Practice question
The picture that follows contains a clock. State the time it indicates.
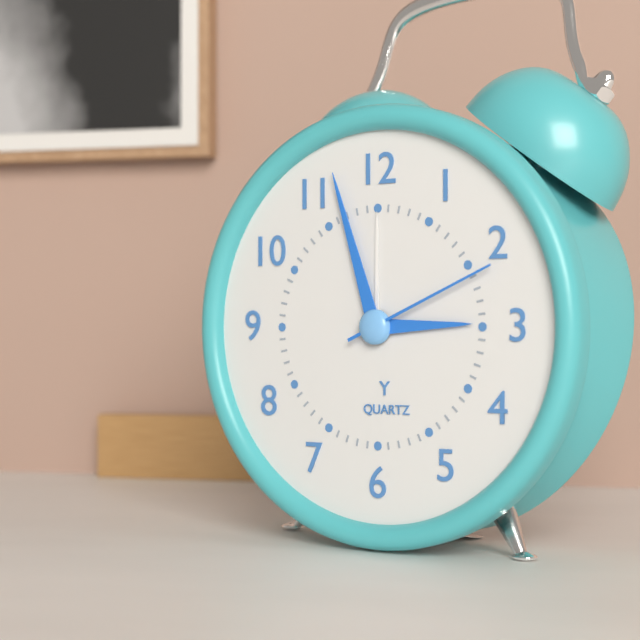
2:57:11
